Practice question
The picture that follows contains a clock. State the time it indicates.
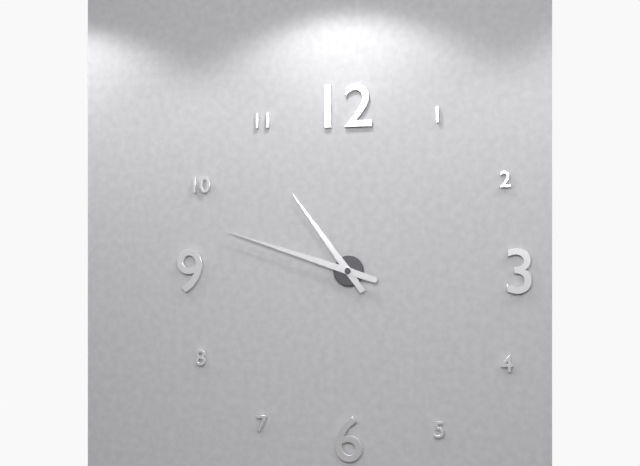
10:48
